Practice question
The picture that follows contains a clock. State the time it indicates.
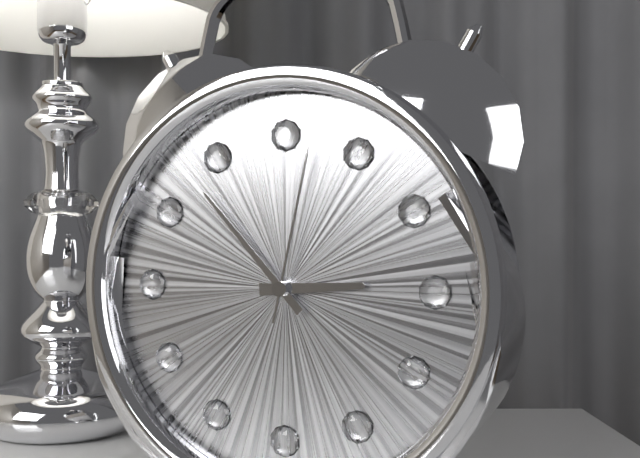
2:53:02
